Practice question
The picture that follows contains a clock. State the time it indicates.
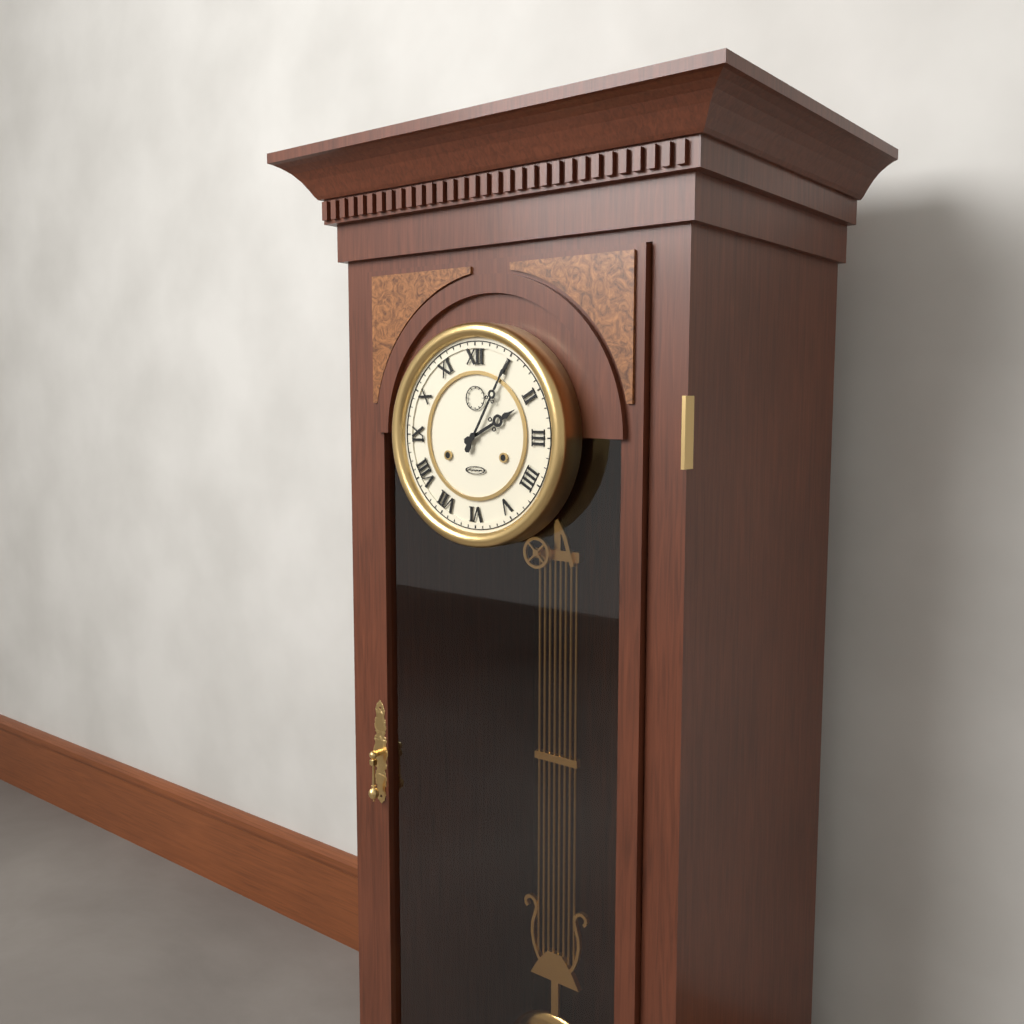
2:05
